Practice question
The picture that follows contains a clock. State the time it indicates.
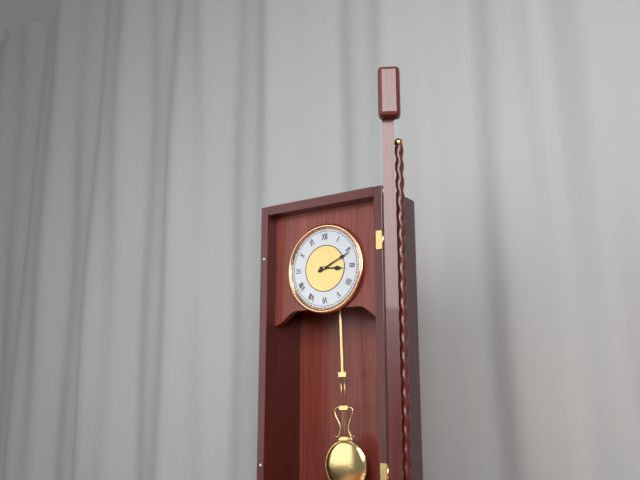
3:11
